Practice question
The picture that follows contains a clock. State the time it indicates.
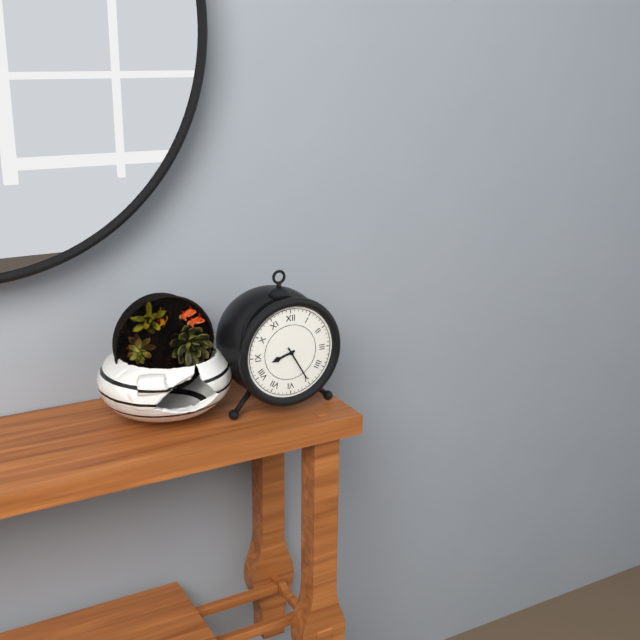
8:25
